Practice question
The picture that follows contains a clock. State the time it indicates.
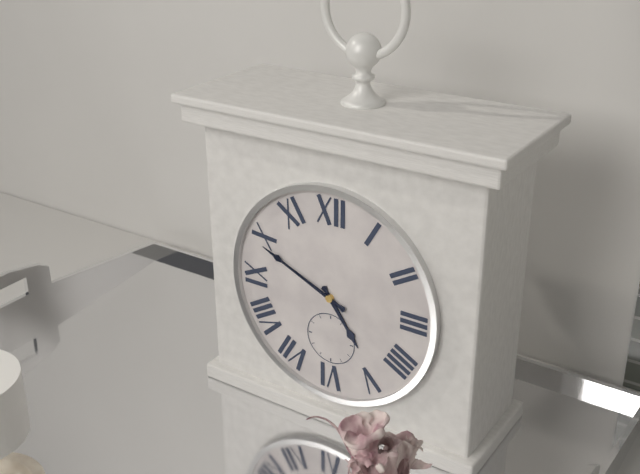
4:49
